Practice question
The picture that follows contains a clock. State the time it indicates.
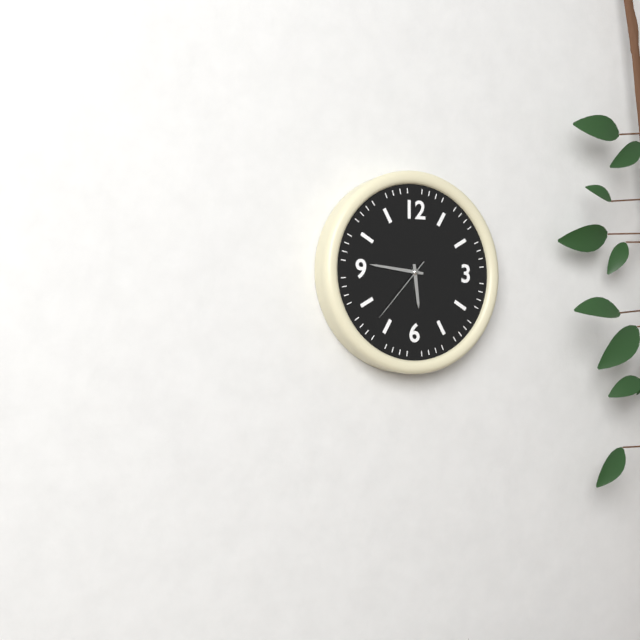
5:46:37
